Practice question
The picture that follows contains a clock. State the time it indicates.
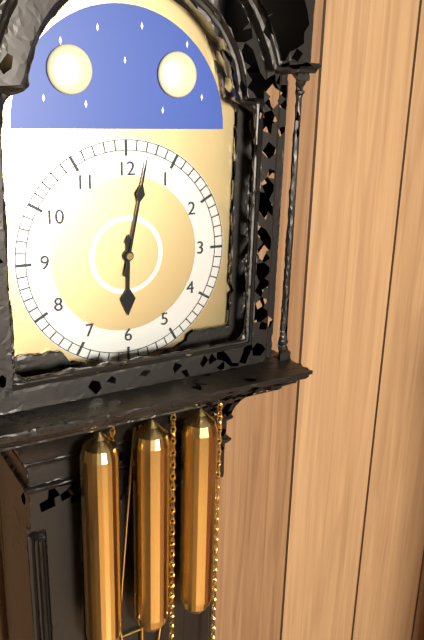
6:02
